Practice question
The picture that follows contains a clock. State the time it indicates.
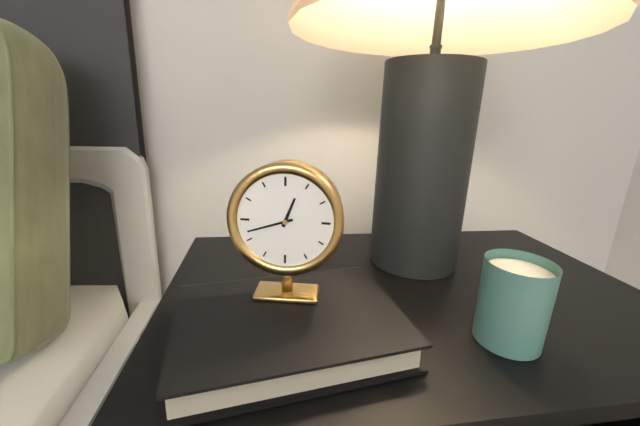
12:42
